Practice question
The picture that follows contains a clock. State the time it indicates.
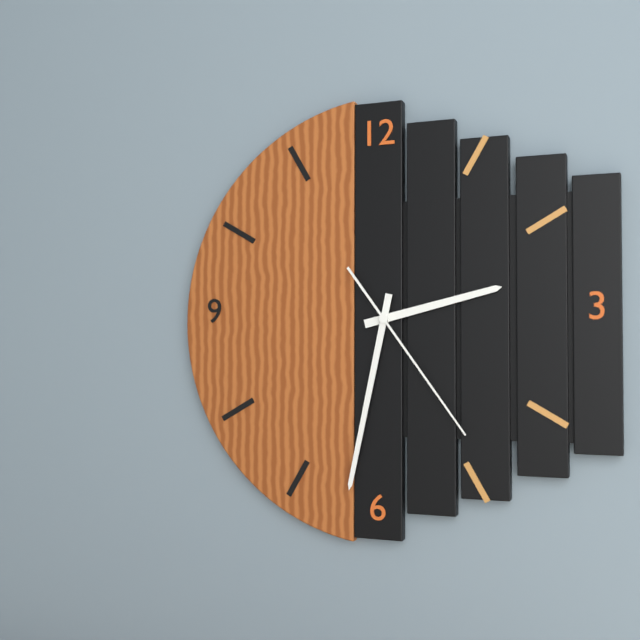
2:32:24
